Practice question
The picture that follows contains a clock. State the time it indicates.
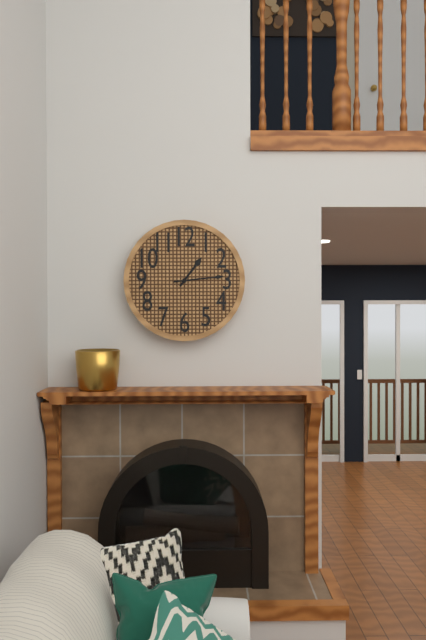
1:14
